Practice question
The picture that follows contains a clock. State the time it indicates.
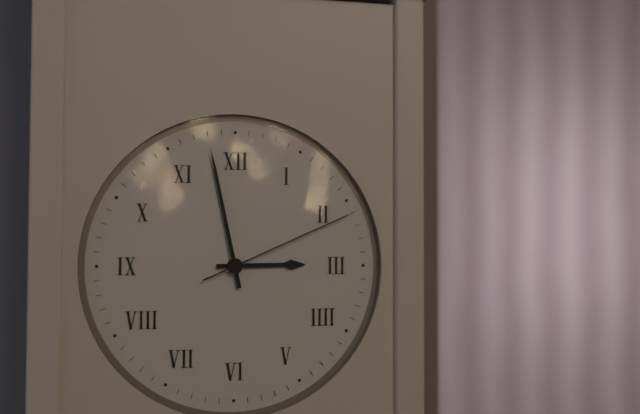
2:58:11
